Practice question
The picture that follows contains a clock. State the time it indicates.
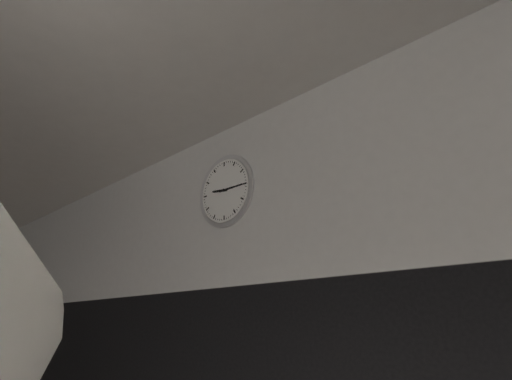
9:15
